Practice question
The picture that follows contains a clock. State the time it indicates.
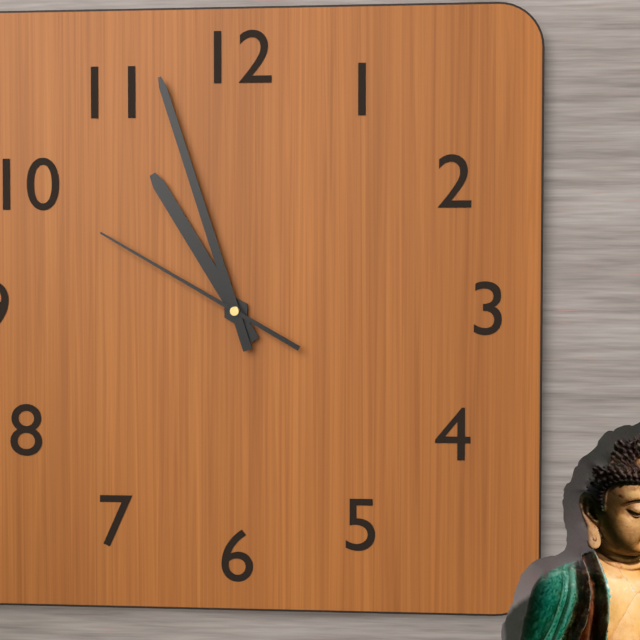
10:57:50
